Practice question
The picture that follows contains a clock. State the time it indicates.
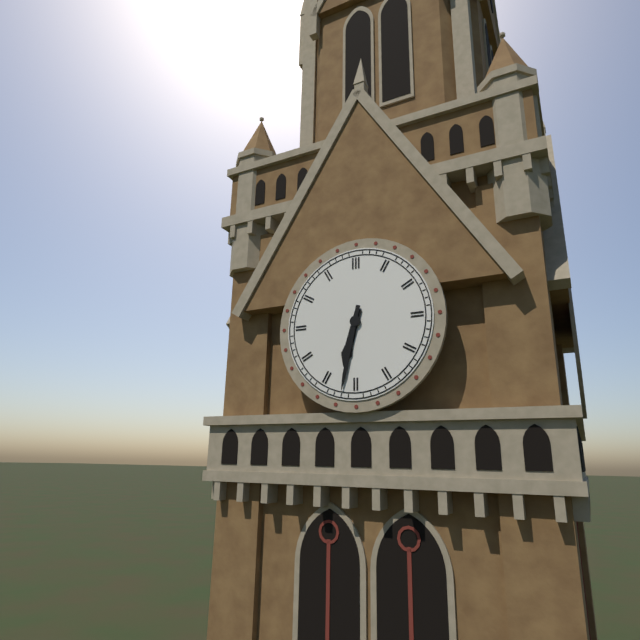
6:32
